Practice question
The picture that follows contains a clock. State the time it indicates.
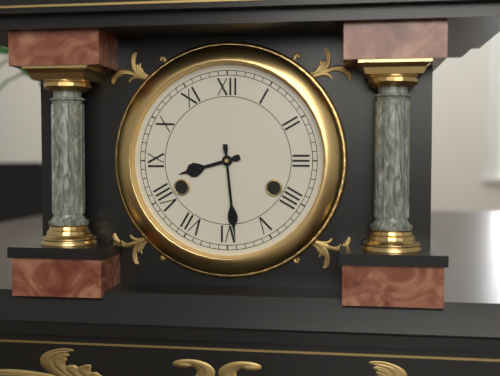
8:29
